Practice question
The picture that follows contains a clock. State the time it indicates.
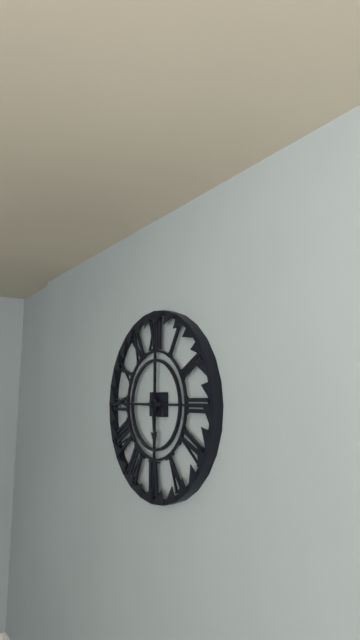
5:45
